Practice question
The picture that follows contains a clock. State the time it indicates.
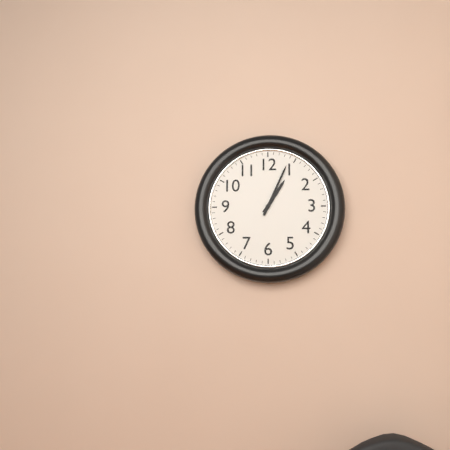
1:04
